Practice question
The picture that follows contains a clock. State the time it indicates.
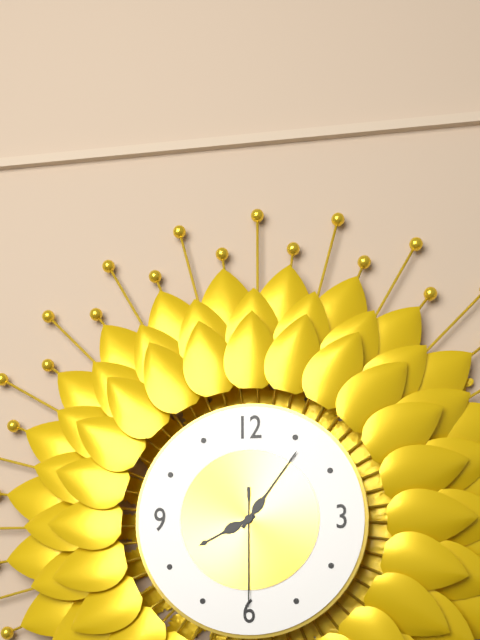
8:06:30
